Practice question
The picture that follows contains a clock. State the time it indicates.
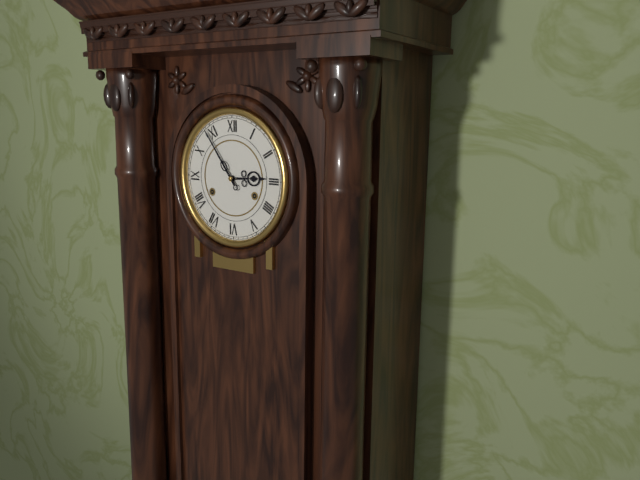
2:54
